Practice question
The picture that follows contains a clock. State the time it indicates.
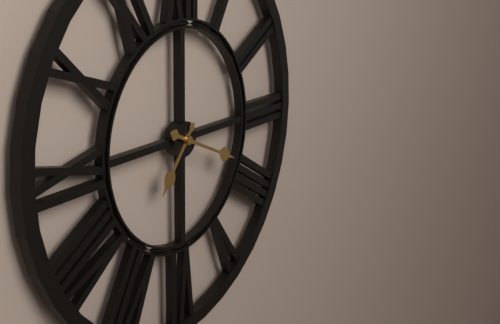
7:19
